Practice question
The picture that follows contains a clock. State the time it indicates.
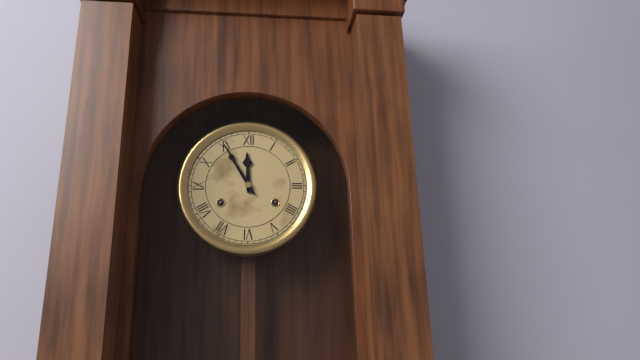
11:55
